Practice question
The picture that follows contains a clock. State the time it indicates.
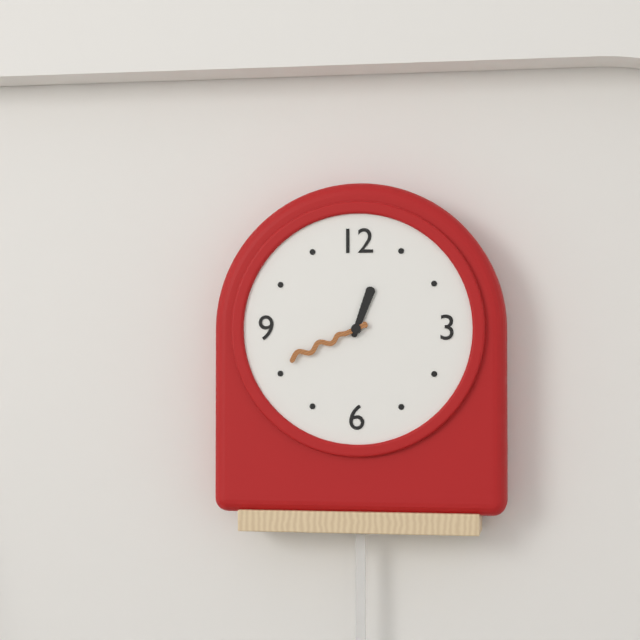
12:41
